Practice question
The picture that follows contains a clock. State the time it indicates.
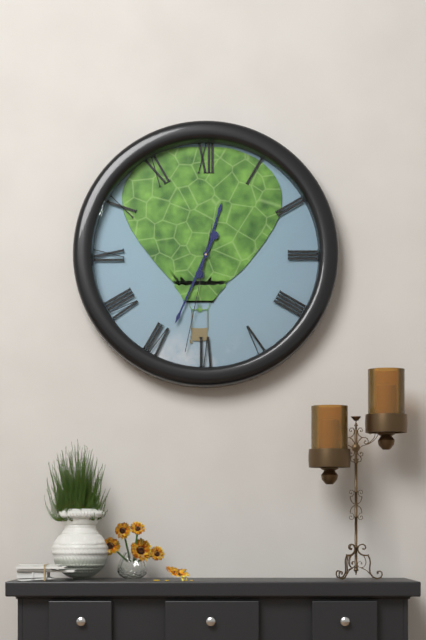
12:34:32
